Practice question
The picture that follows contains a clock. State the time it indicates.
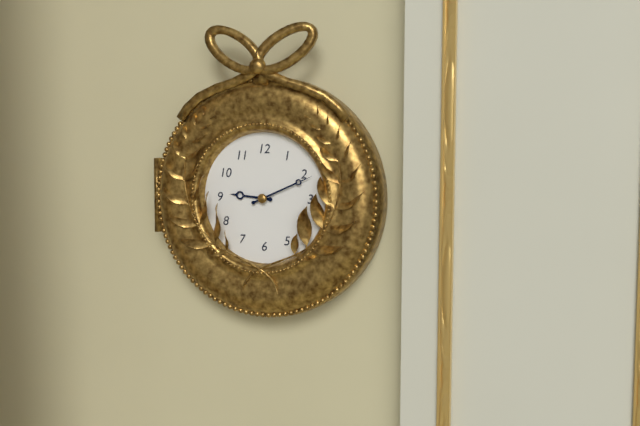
9:11
